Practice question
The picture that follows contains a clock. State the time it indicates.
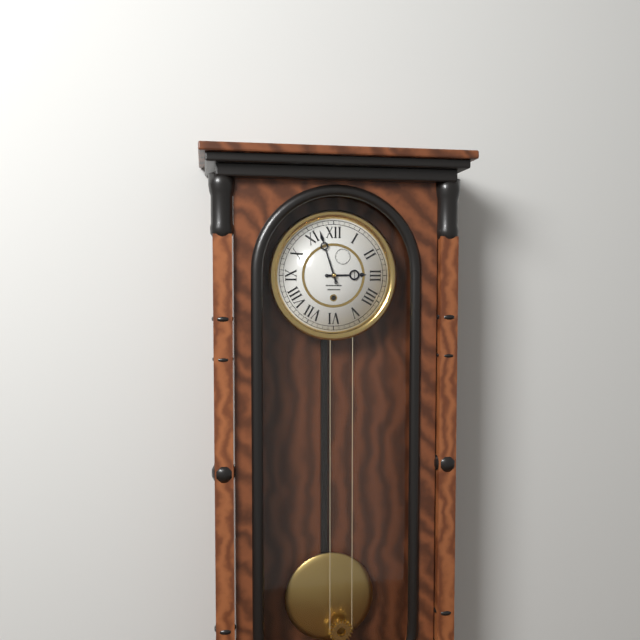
2:57
